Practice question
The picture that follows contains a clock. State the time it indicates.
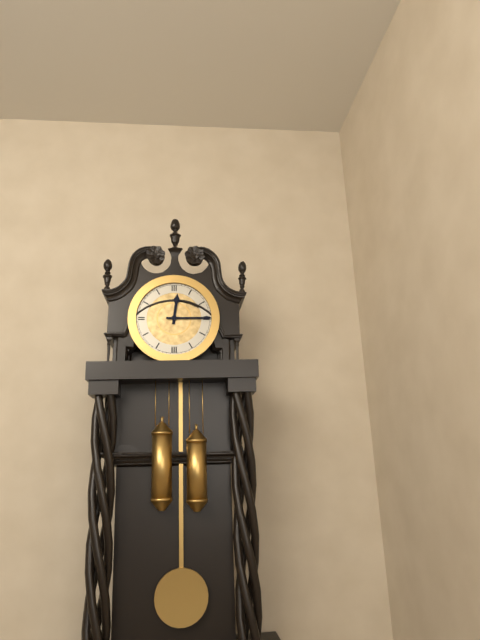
12:15
